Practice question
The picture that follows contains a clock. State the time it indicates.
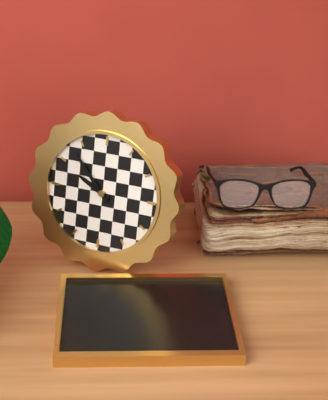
9:53
